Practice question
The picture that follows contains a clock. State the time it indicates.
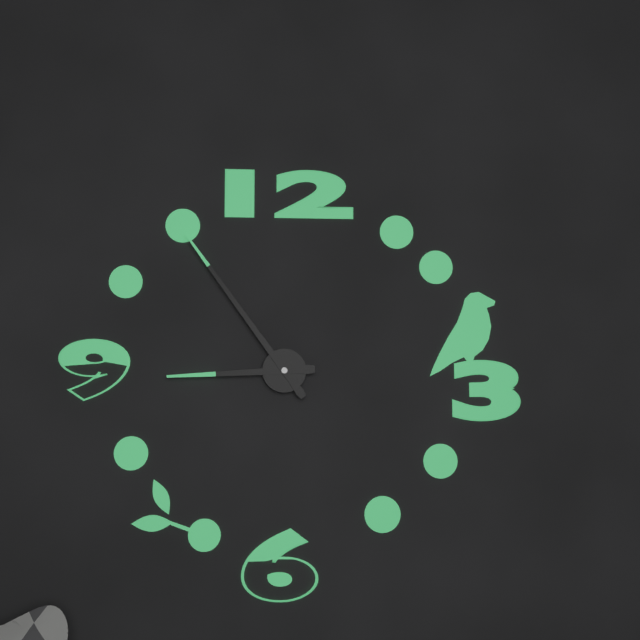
8:54
